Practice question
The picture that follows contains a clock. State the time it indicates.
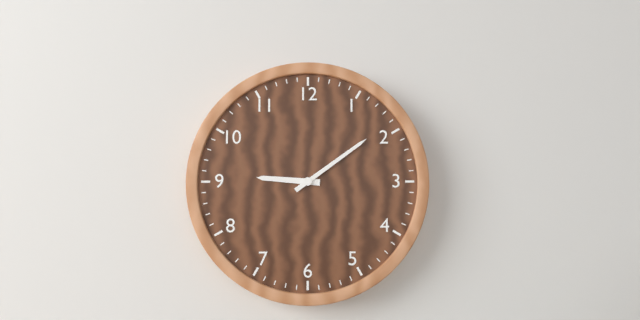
9:09
